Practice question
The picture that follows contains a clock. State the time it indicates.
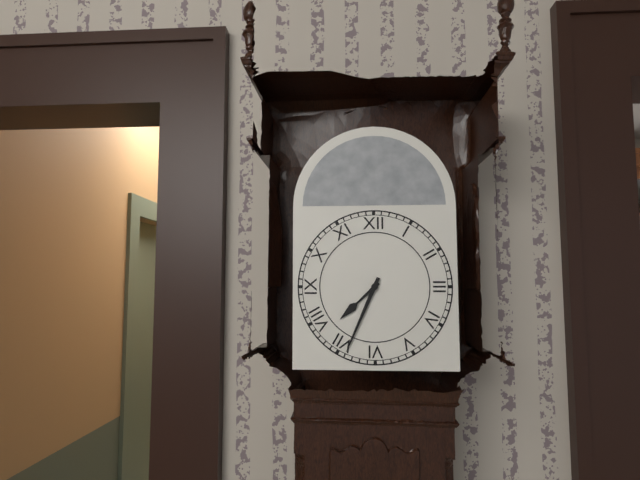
7:34
